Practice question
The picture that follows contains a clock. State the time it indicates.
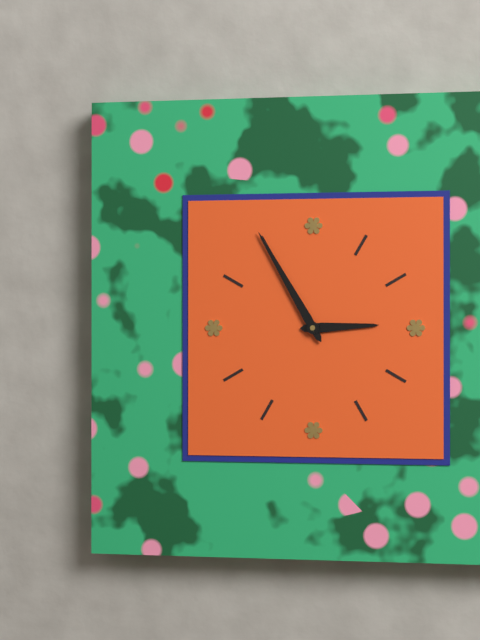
2:55
